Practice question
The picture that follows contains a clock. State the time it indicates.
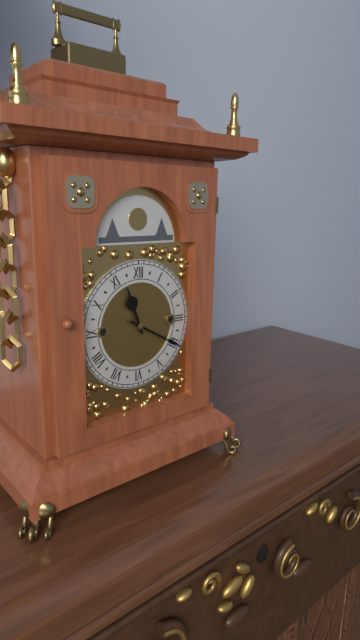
11:20
